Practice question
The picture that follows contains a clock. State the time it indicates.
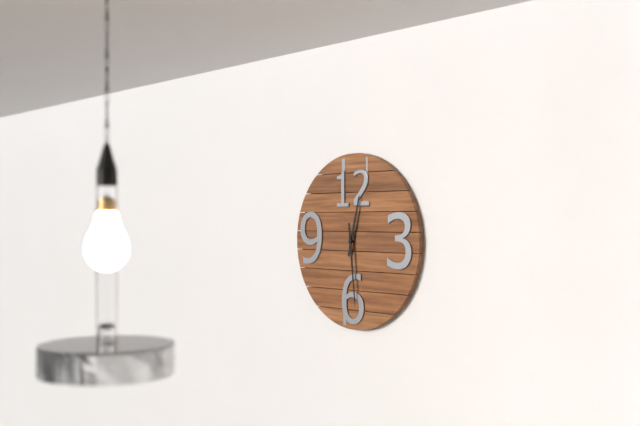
12:29
